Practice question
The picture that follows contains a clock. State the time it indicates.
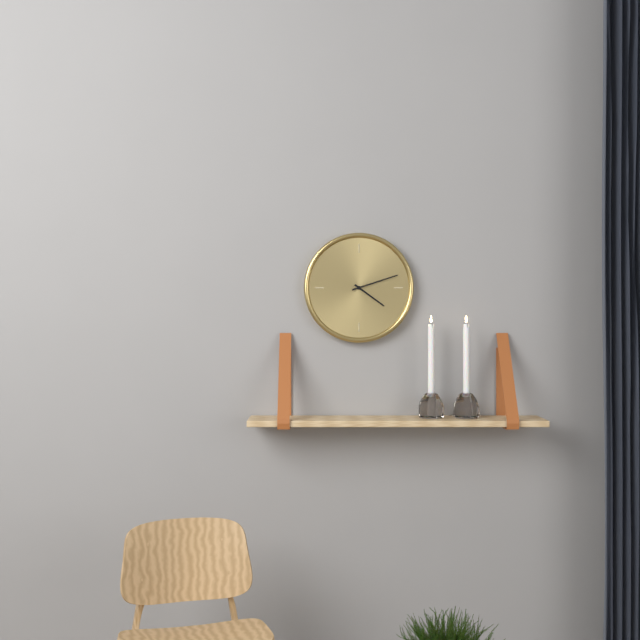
4:12
